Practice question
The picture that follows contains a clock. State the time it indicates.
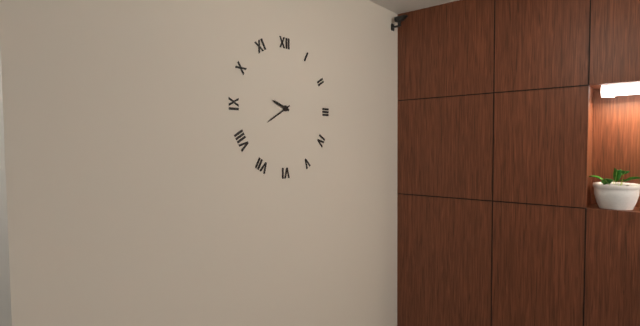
9:40
